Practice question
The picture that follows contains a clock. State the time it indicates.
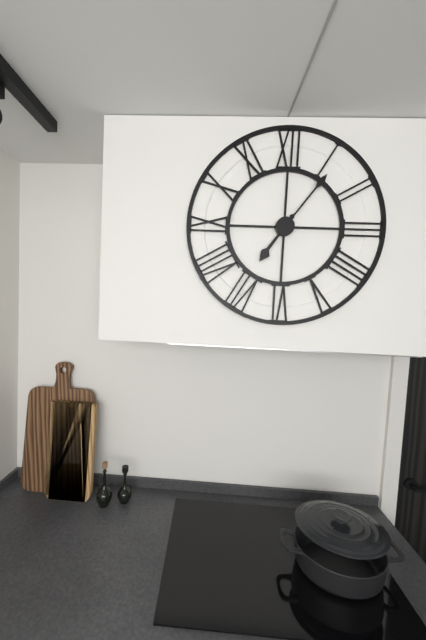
7:06
